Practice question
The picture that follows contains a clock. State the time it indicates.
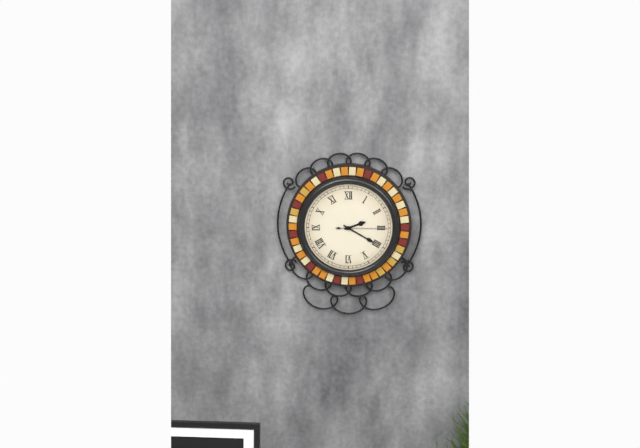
2:20
